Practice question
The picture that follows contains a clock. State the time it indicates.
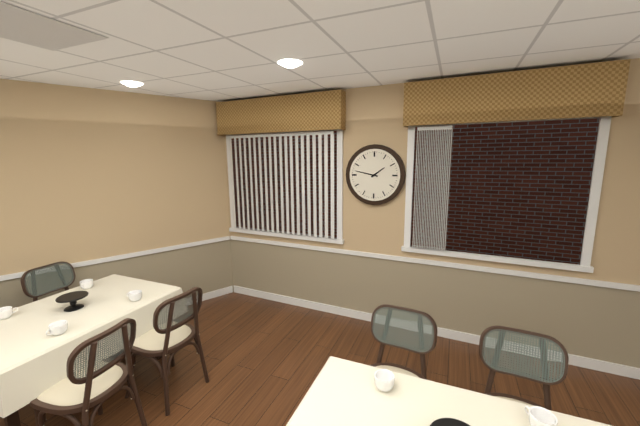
1:47
